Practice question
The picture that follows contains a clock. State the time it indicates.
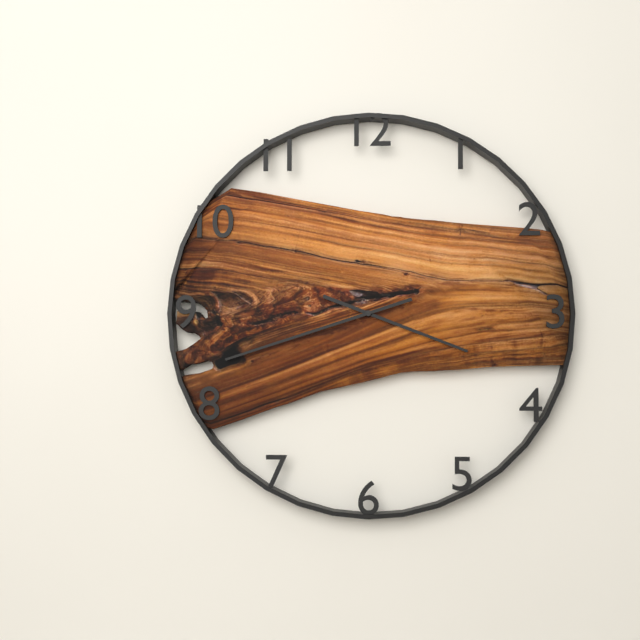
3:42
